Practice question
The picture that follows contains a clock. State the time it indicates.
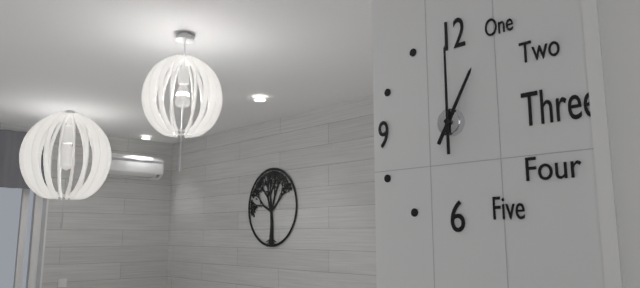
1:00
